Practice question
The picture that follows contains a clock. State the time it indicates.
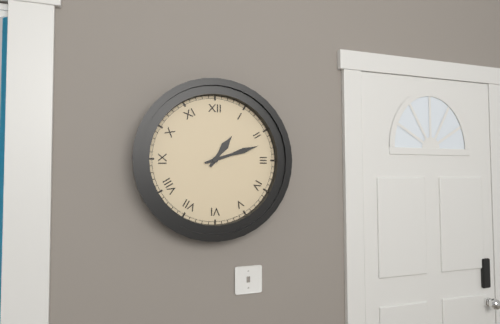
1:12
